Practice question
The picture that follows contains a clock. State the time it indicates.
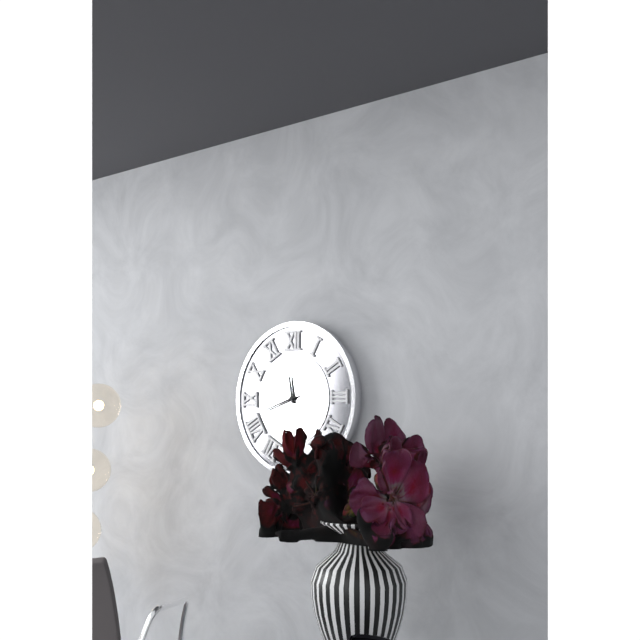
11:42
